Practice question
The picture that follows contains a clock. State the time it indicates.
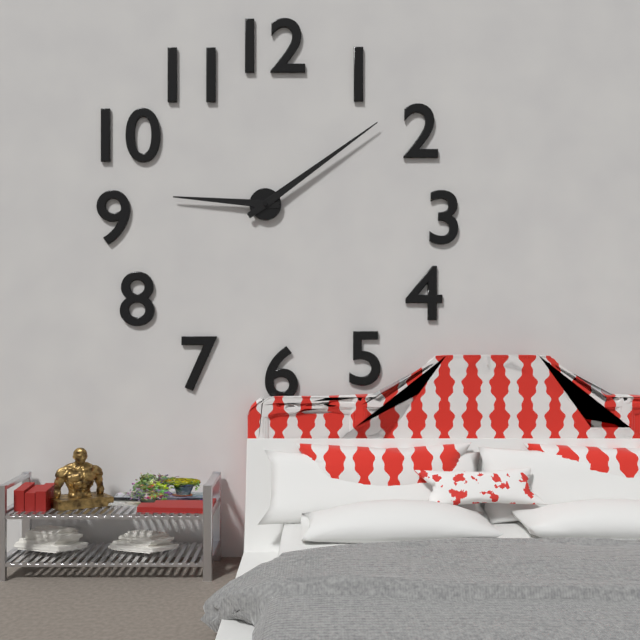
9:09
